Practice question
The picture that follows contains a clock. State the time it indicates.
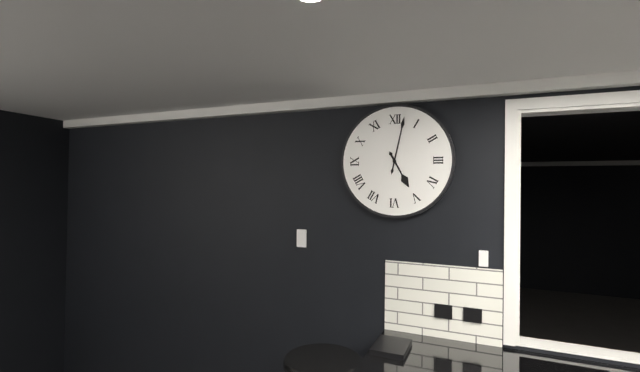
5:02
